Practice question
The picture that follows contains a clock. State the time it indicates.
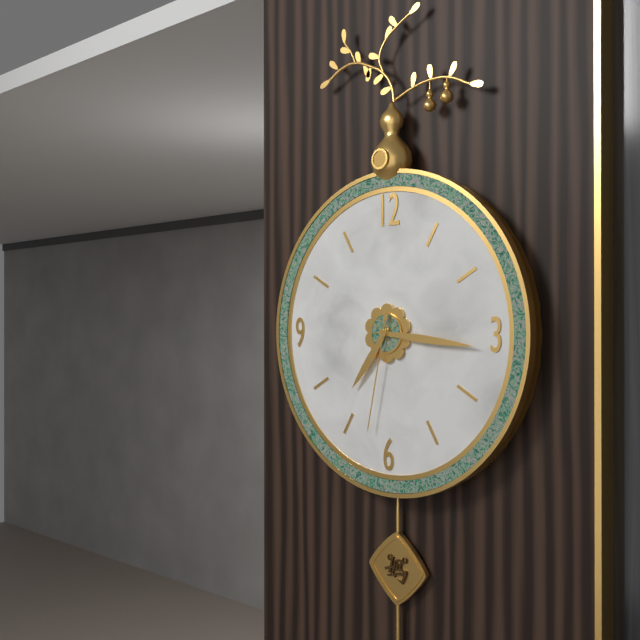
7:16:32
